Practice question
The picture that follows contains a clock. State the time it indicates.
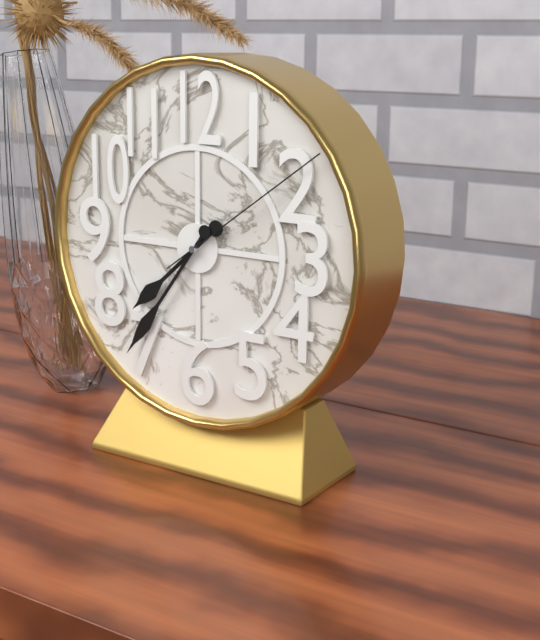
7:36:09
